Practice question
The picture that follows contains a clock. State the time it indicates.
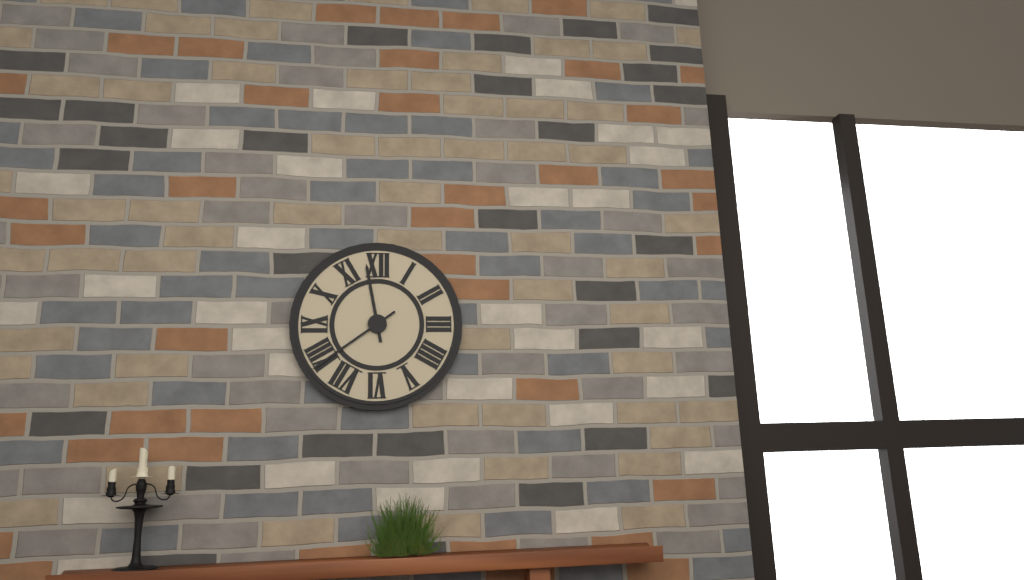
11:39
